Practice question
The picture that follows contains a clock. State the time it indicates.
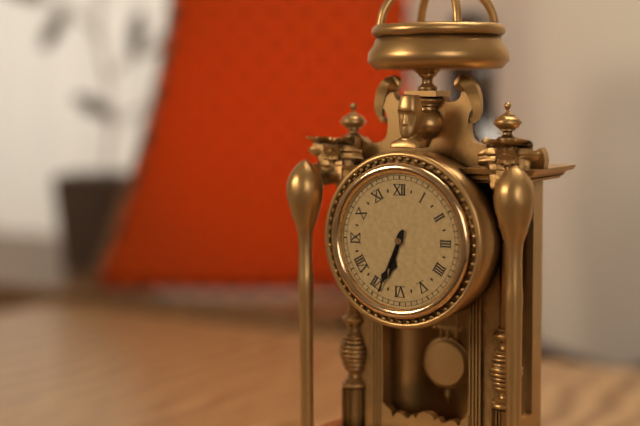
6:34
